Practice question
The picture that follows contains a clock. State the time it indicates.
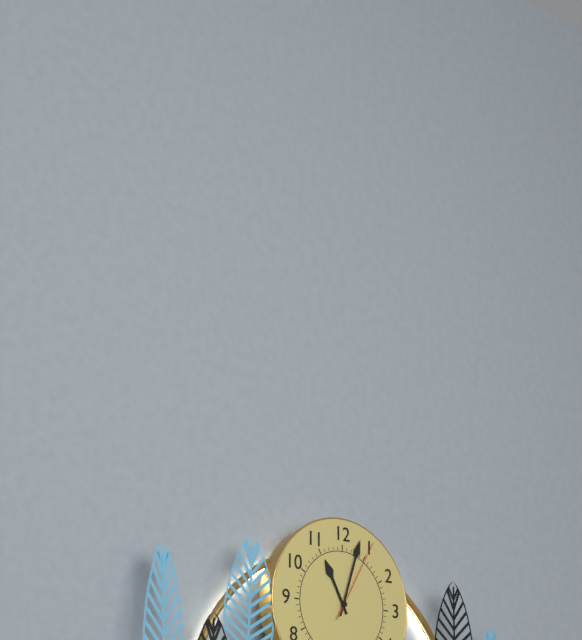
11:03:05
